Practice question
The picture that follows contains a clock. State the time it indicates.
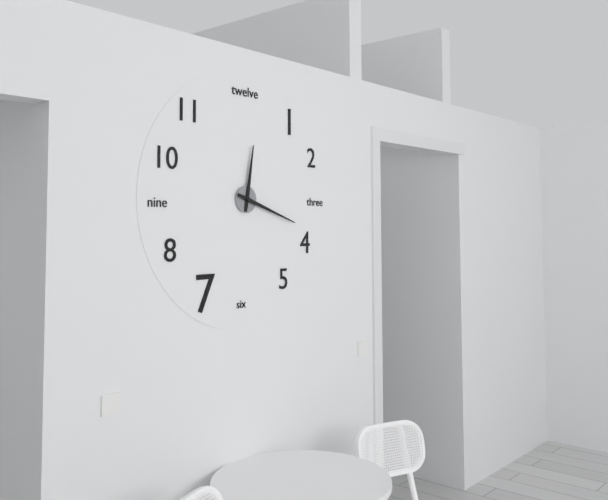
12:18
